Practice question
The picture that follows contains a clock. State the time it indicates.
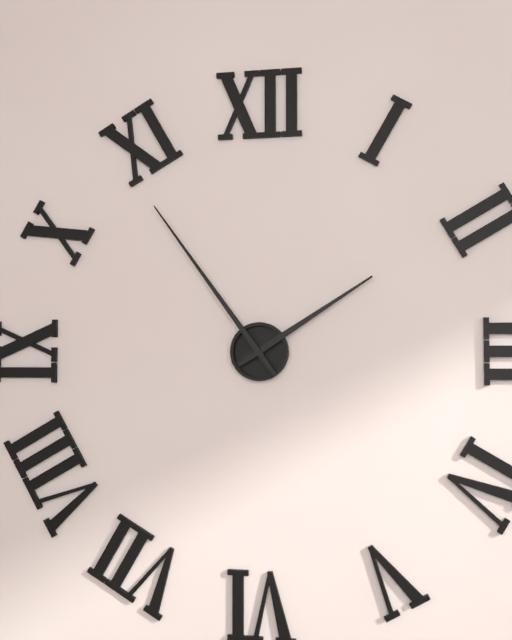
1:54
